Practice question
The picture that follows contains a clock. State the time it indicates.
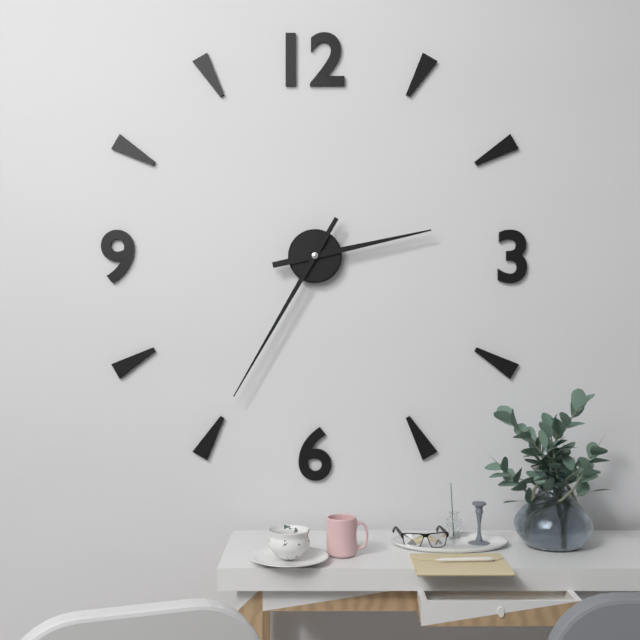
2:35
